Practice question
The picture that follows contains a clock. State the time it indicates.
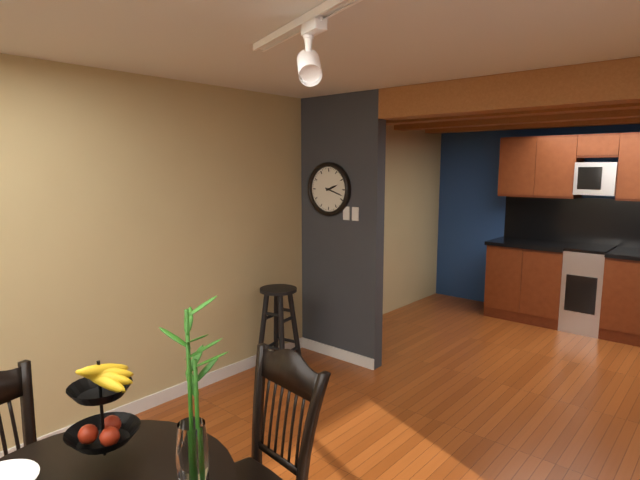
2:18
